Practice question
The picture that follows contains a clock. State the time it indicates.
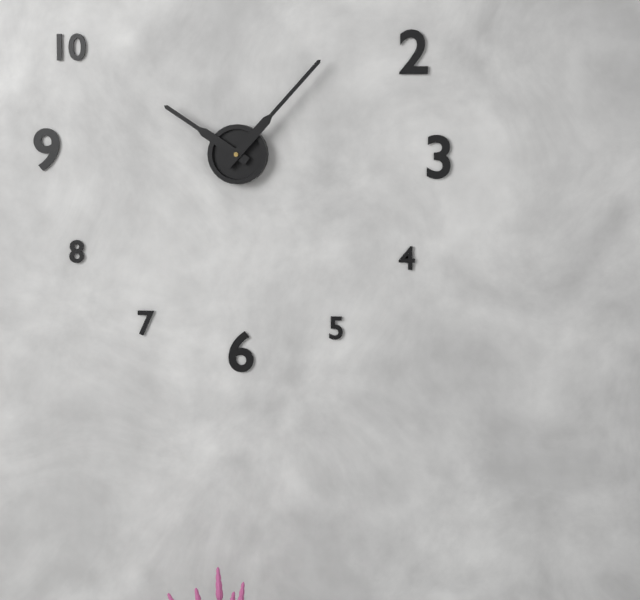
10:07
